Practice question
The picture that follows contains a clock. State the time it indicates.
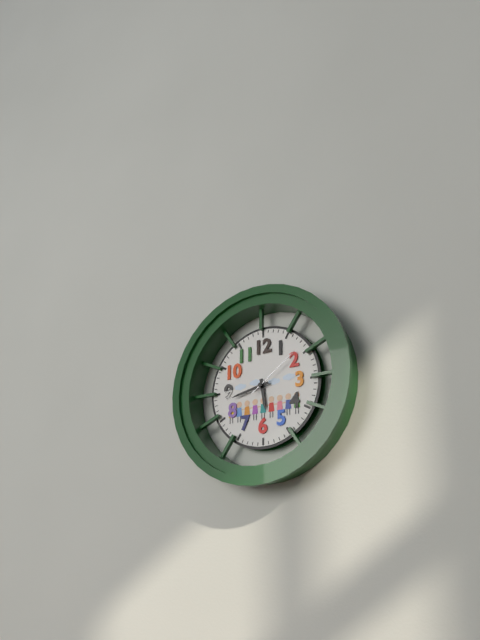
5:43:09
